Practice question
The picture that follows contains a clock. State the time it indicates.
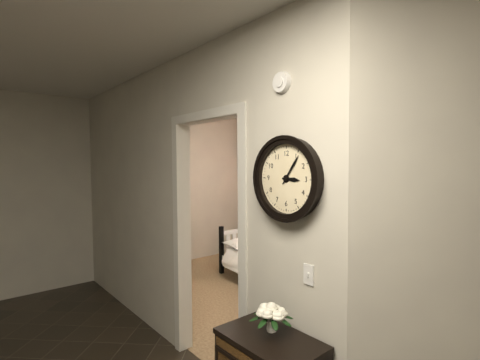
3:06
